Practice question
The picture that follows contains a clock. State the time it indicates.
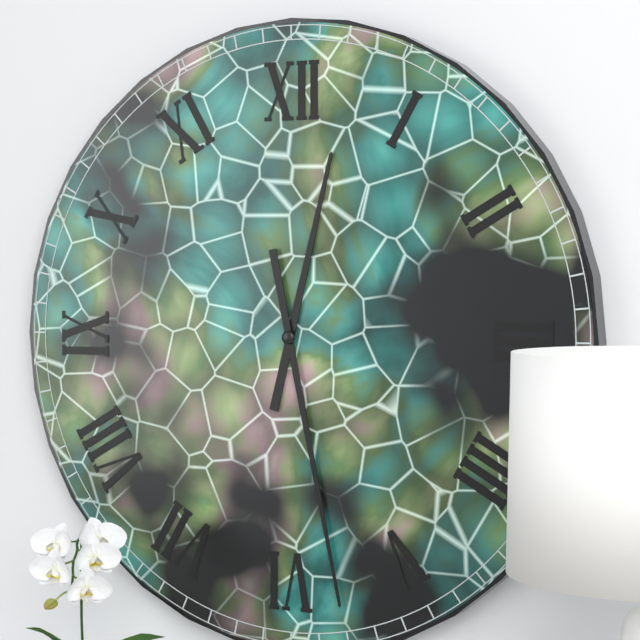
12:28
